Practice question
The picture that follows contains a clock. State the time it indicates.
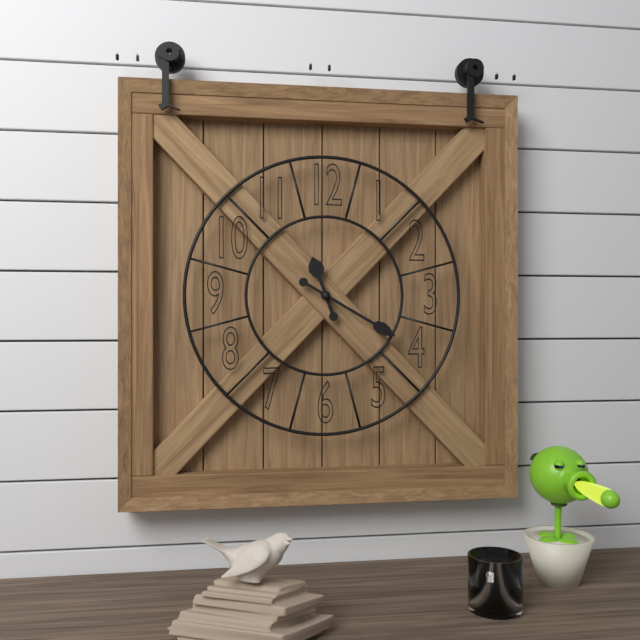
11:20
